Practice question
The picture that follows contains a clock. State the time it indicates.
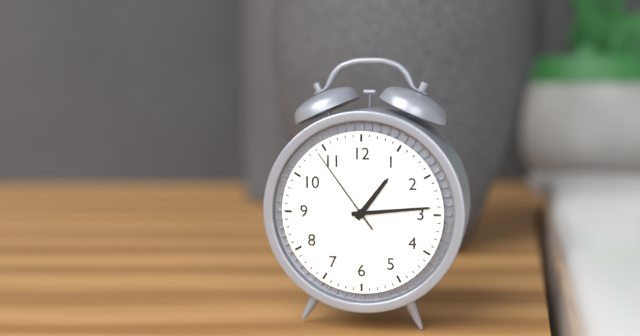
1:14:54
